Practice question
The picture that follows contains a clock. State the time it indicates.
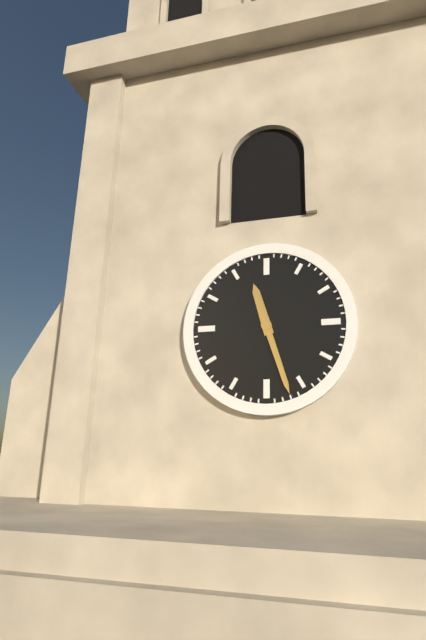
11:27
